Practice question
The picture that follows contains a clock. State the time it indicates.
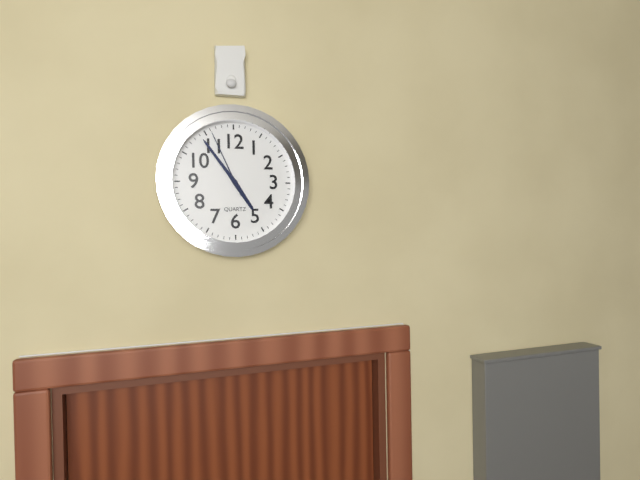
4:54:56
